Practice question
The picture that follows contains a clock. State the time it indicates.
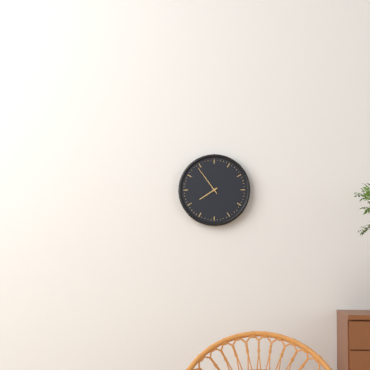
7:54
